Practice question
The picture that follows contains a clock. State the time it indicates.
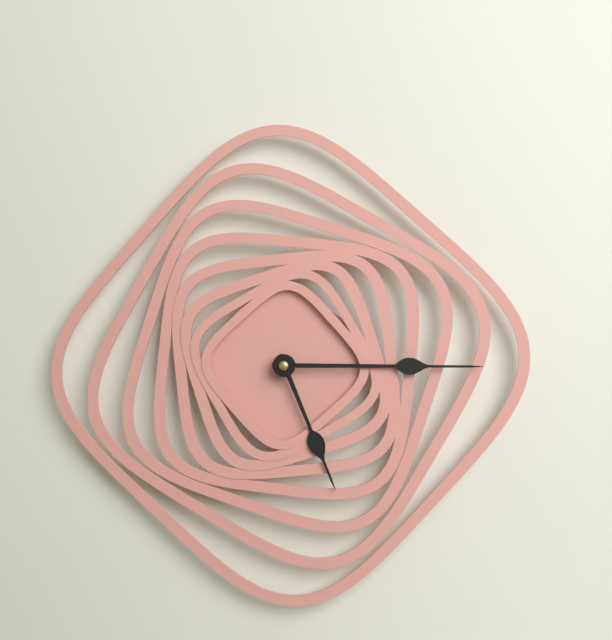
5:15
